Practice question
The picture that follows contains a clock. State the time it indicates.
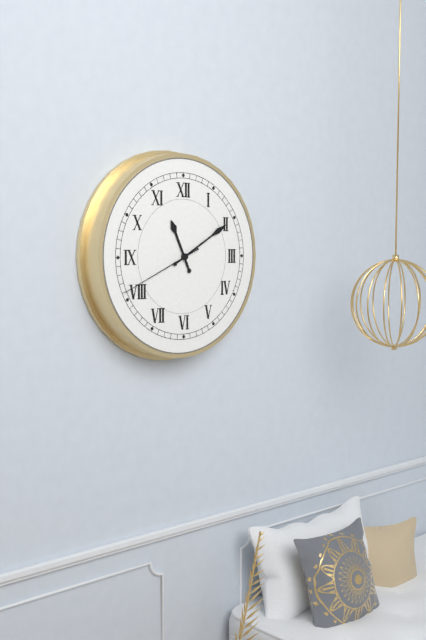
11:10:41
